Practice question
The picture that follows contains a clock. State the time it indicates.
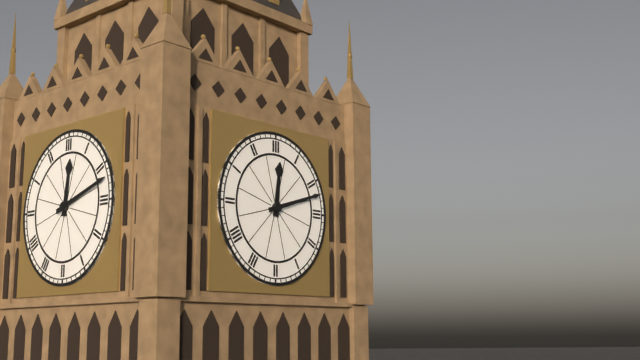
12:12
